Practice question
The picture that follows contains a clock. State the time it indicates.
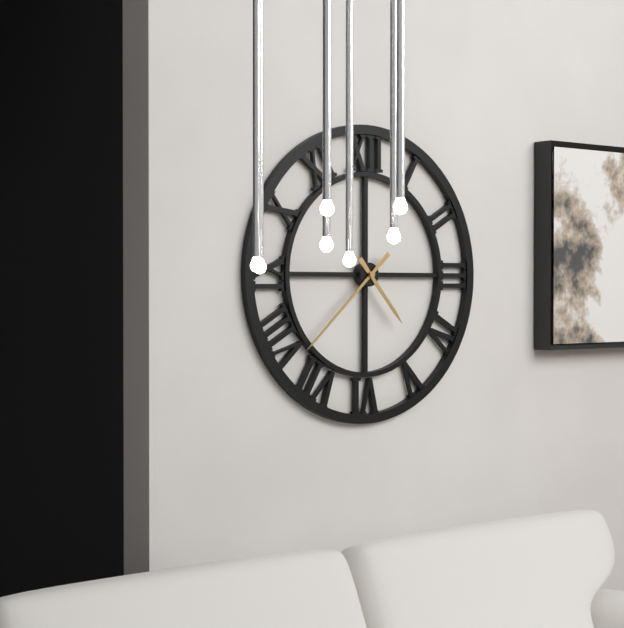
4:38
